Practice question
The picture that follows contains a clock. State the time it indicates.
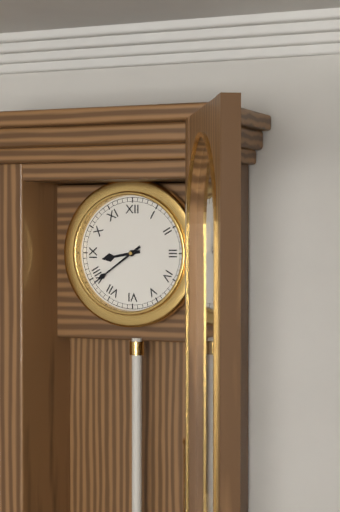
8:39
